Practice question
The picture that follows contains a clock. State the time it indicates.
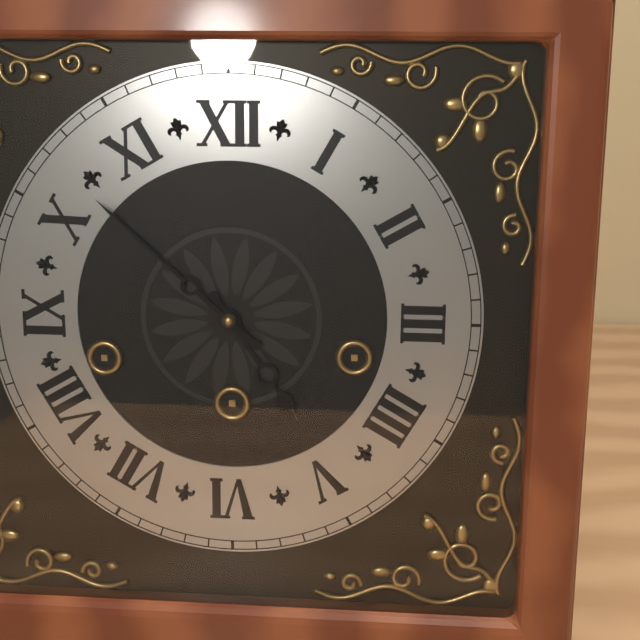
4:52
